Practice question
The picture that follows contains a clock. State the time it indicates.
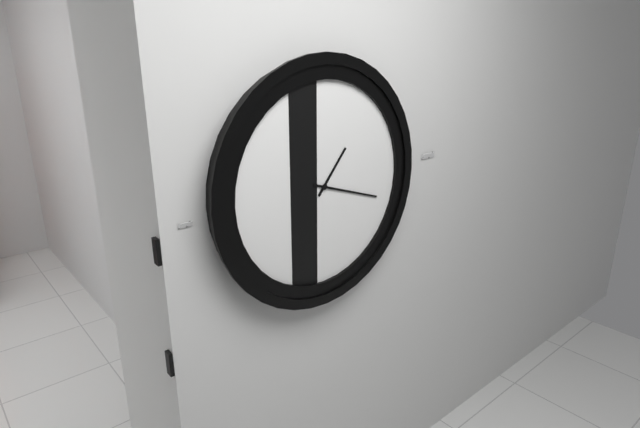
1:18
